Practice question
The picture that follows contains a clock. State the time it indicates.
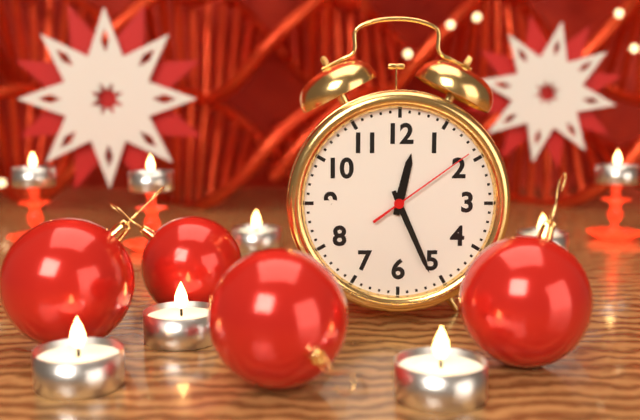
12:26:09
